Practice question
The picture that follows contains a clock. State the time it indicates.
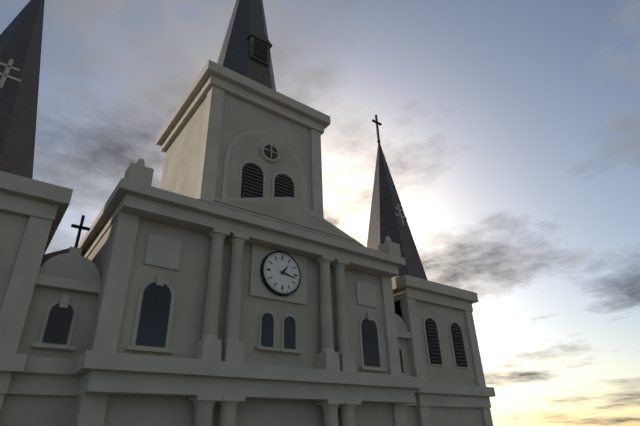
1:17
